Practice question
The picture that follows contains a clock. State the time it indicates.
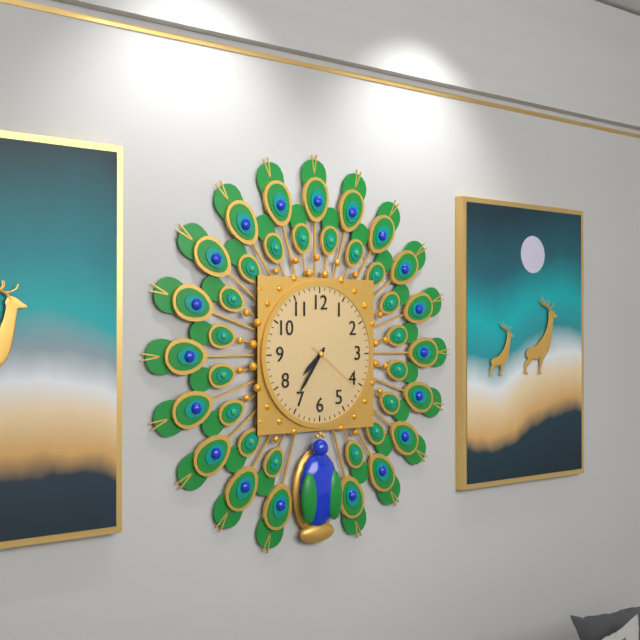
7:36:21
